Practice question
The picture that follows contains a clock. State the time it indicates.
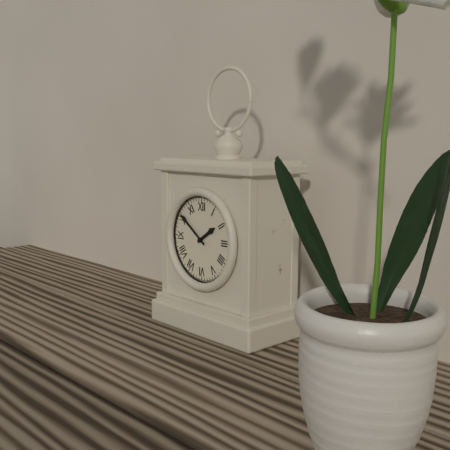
1:51
